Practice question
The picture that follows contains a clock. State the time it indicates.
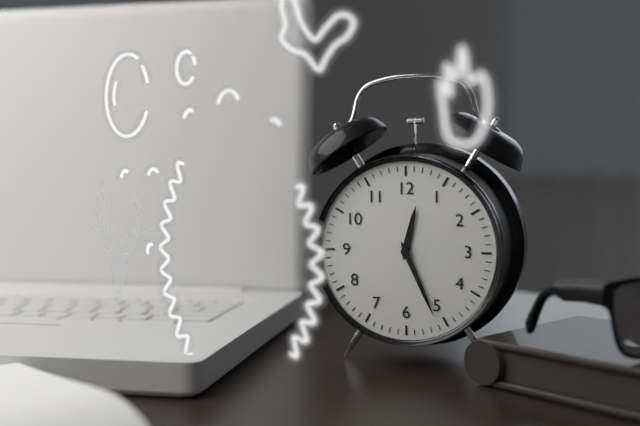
12:26
